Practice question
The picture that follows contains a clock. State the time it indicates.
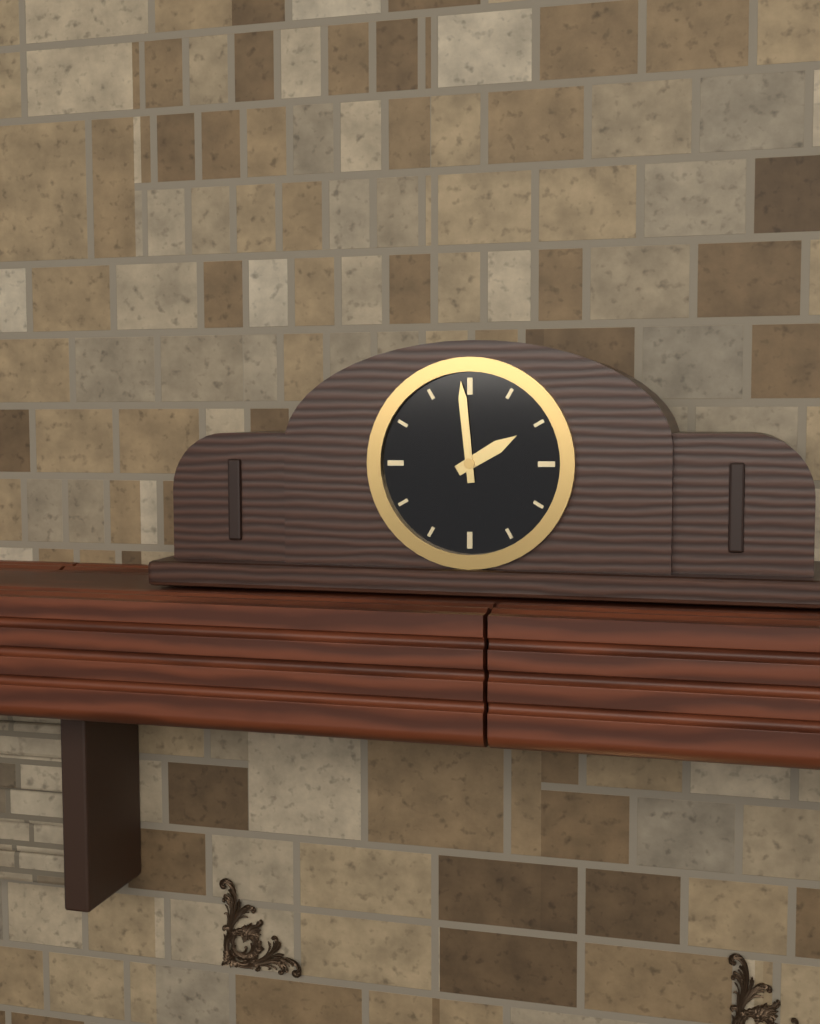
1:59
